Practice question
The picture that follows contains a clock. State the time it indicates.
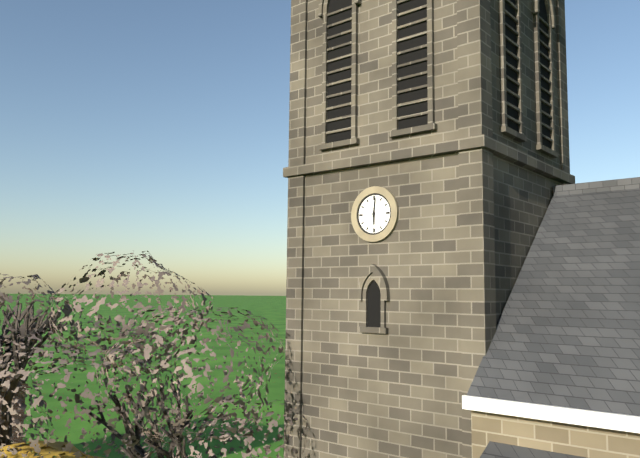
6:01
